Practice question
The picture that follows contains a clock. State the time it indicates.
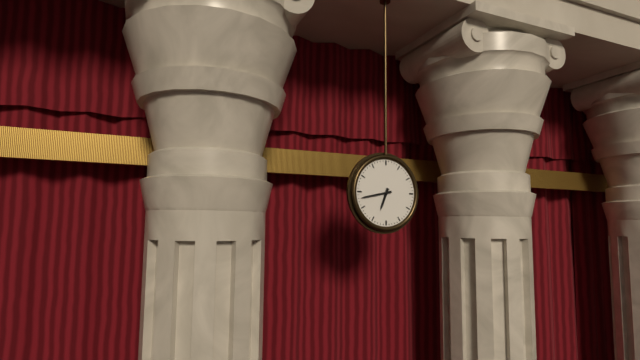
6:43
